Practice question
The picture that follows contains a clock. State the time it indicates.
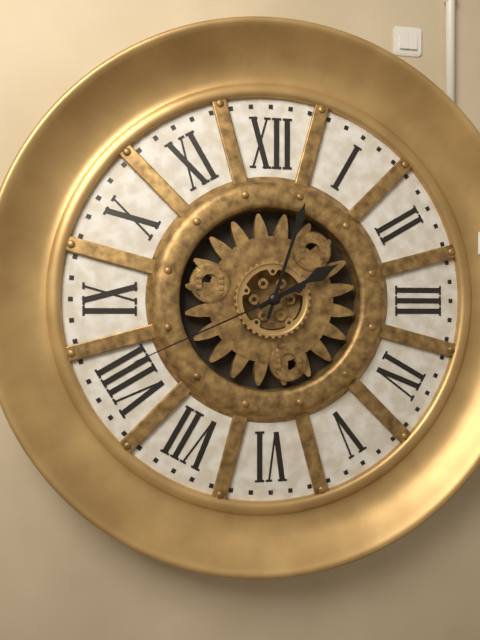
2:03:41
